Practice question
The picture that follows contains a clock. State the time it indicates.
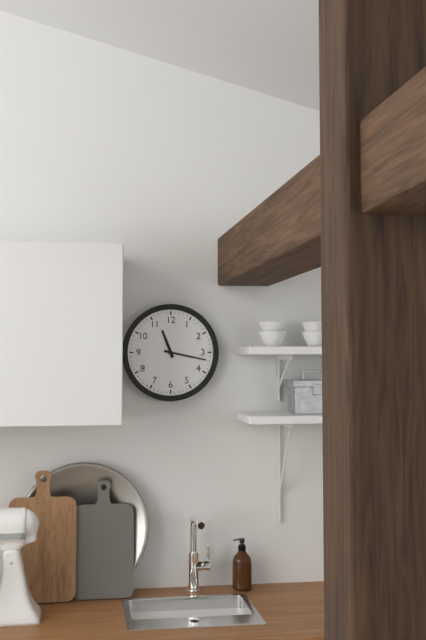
11:17
